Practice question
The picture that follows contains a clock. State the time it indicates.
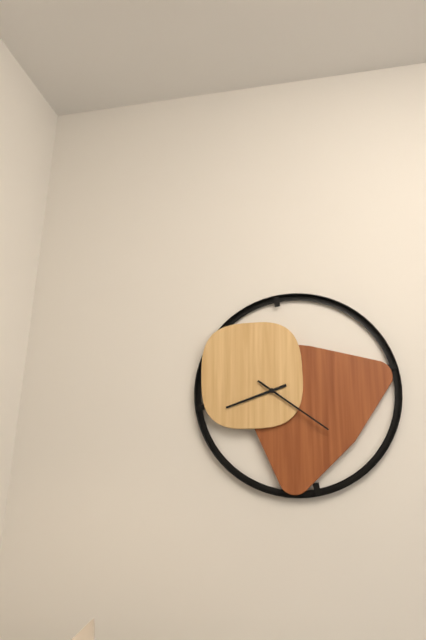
8:21
